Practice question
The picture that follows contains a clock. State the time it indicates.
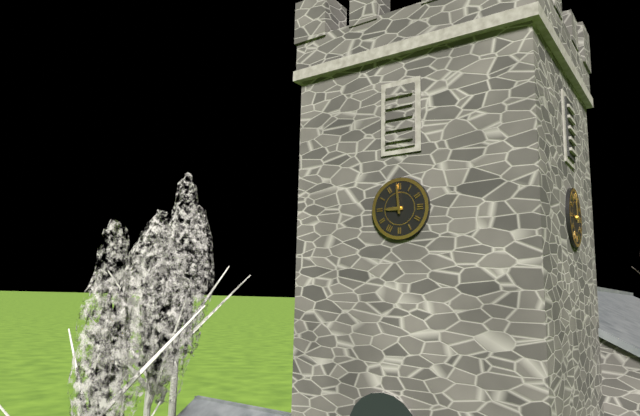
8:59
